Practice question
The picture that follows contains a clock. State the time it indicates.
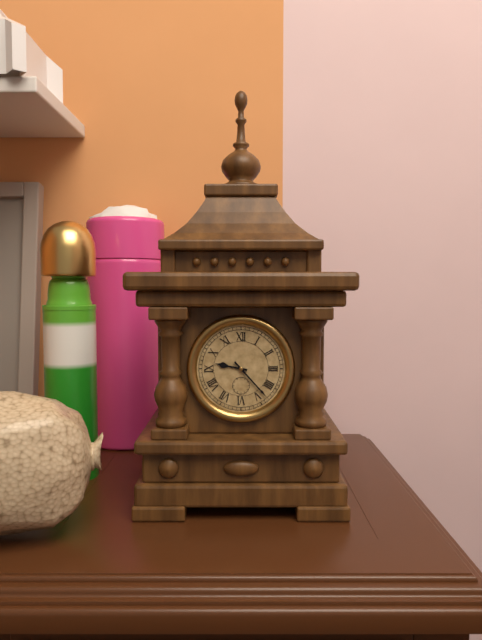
9:23
